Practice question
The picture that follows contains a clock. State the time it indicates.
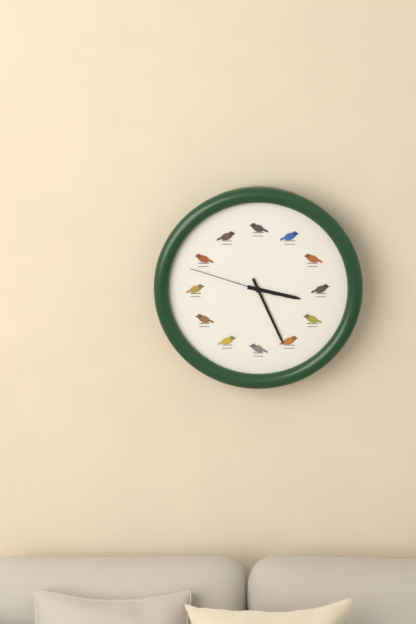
3:26:48
